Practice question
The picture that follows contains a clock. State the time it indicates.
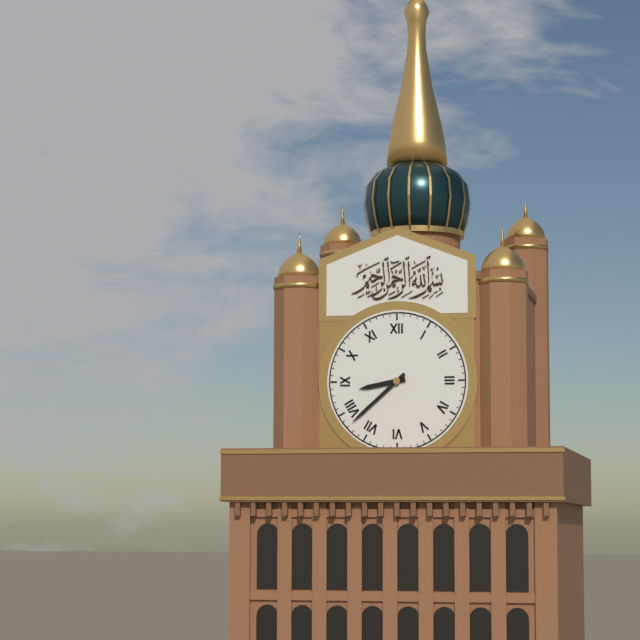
8:38
